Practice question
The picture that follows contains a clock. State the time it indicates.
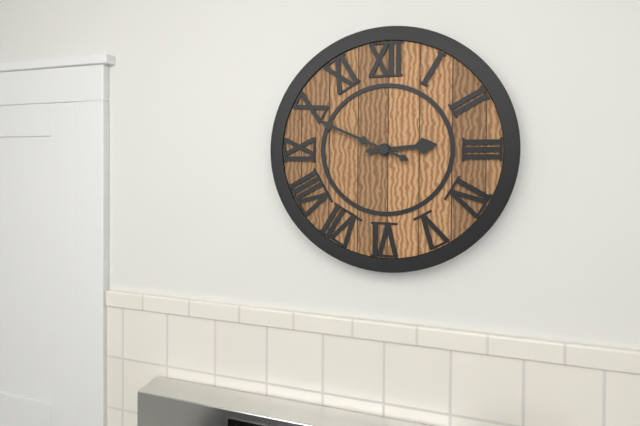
2:49
